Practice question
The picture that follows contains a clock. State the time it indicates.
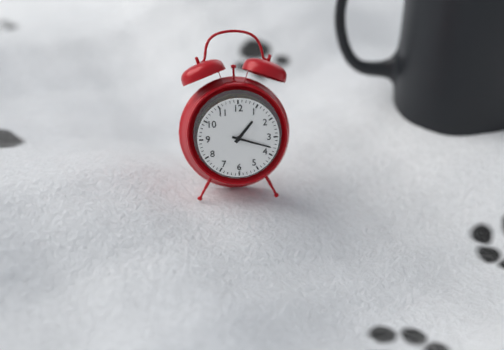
1:18
